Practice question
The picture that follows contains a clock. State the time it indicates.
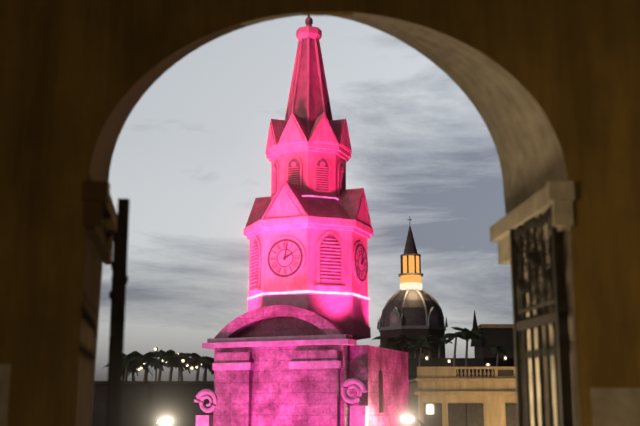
2:02
